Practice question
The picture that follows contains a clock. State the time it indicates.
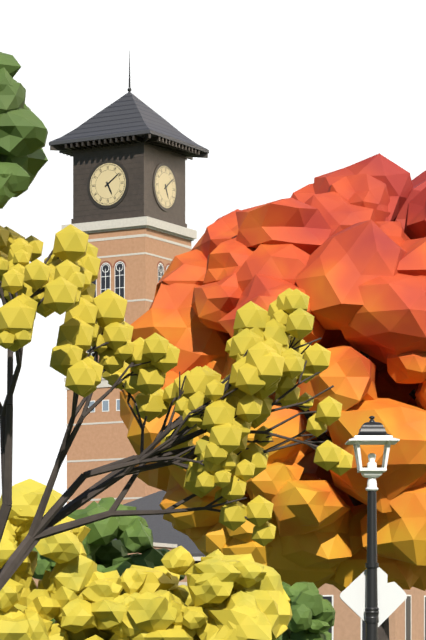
5:09
